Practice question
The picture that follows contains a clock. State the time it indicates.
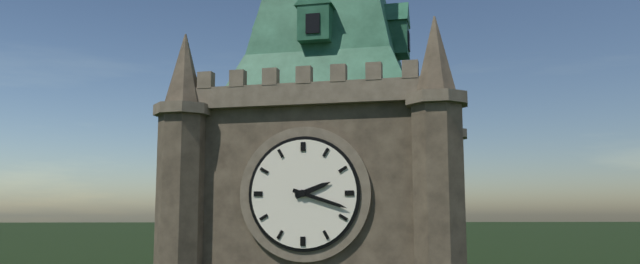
2:18
